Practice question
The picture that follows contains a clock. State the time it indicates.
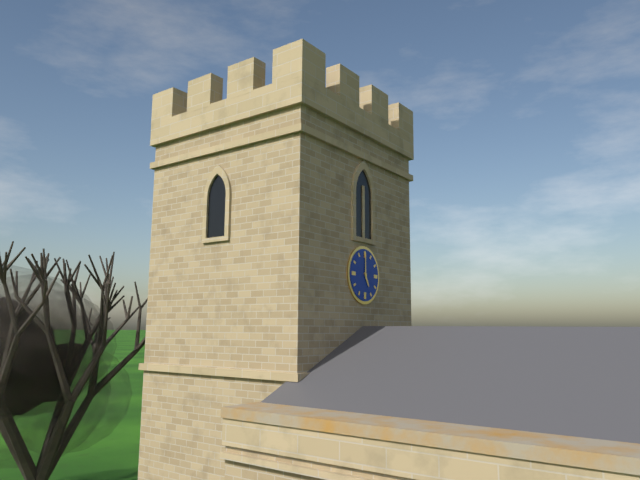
5:00
